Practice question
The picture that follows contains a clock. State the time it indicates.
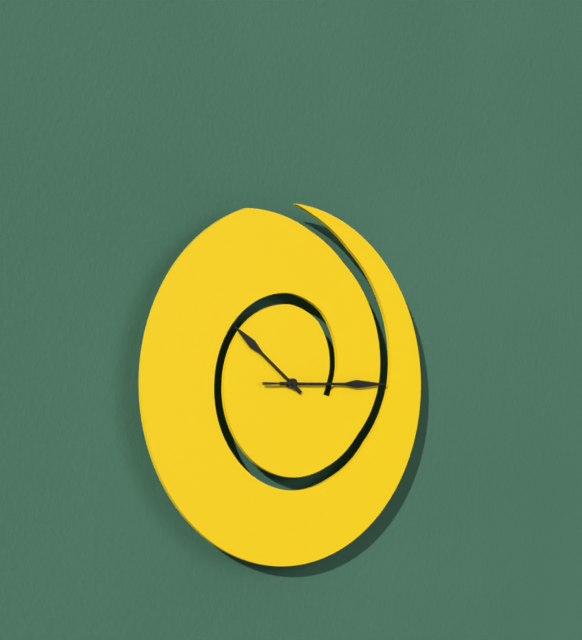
10:15:15
